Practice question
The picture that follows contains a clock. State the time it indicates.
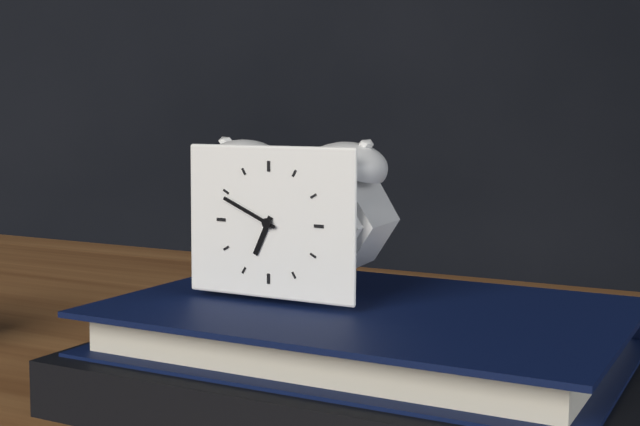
6:49
